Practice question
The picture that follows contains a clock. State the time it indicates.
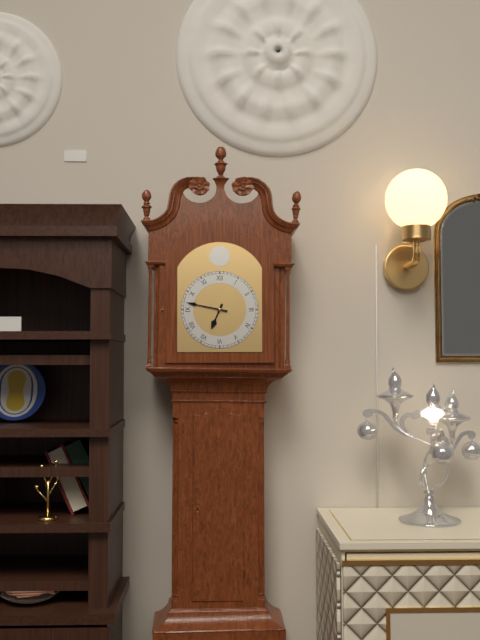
6:47
